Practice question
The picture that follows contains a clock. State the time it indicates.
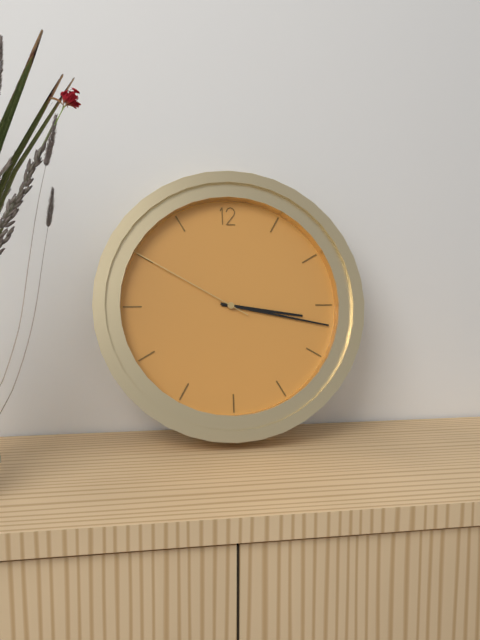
3:17:50
